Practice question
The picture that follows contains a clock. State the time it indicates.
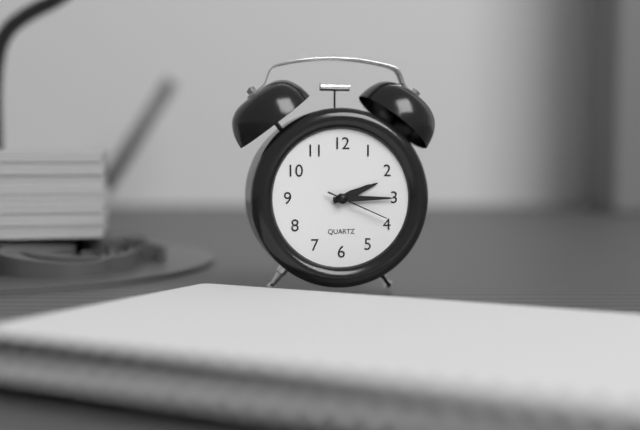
2:15:19
